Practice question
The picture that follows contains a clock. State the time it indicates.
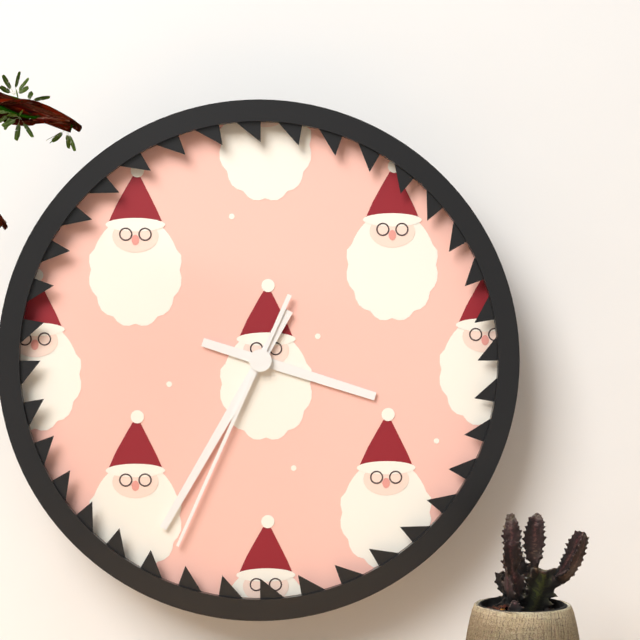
3:35:34
